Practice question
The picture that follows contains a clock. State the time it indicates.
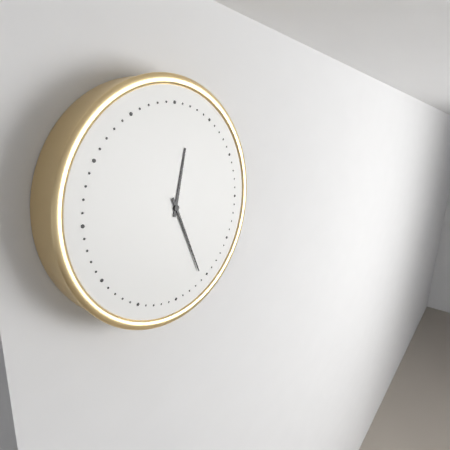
12:26
